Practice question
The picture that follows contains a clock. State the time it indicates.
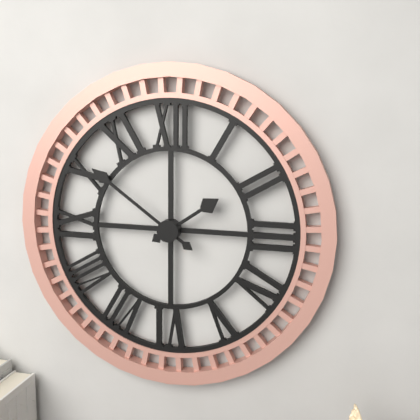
1:51
